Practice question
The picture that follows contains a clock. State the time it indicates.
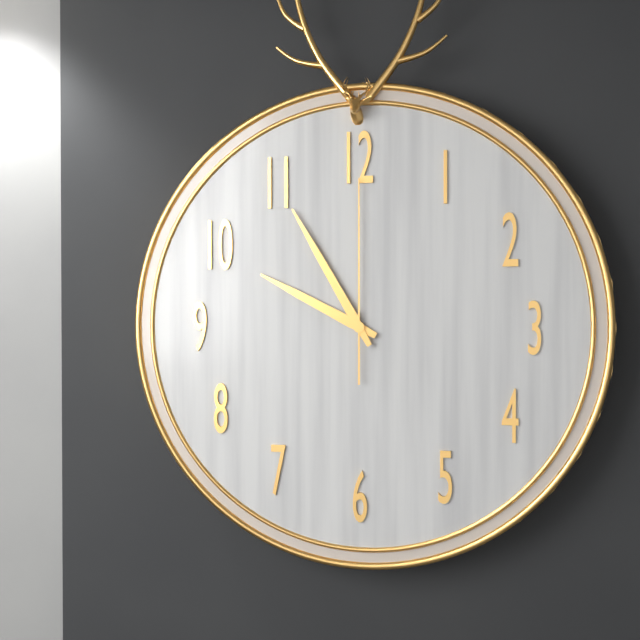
9:55:00
